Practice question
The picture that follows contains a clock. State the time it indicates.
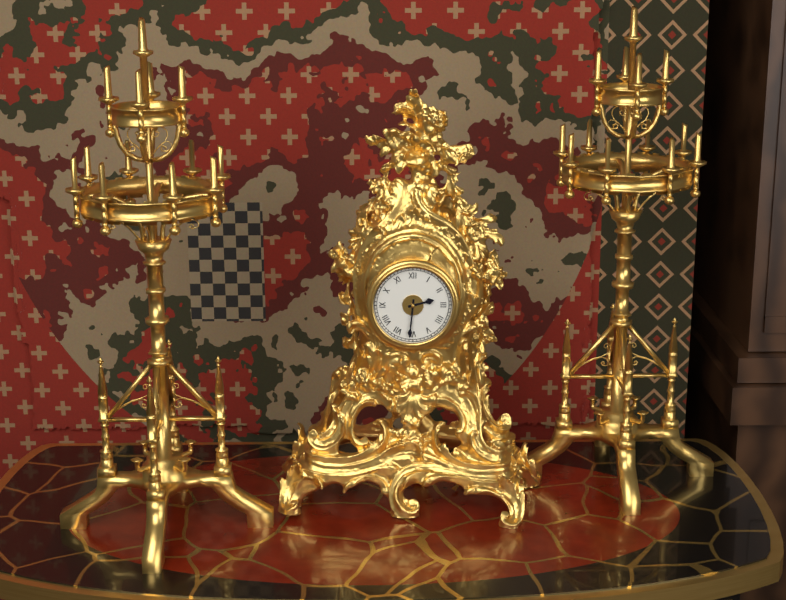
2:31
